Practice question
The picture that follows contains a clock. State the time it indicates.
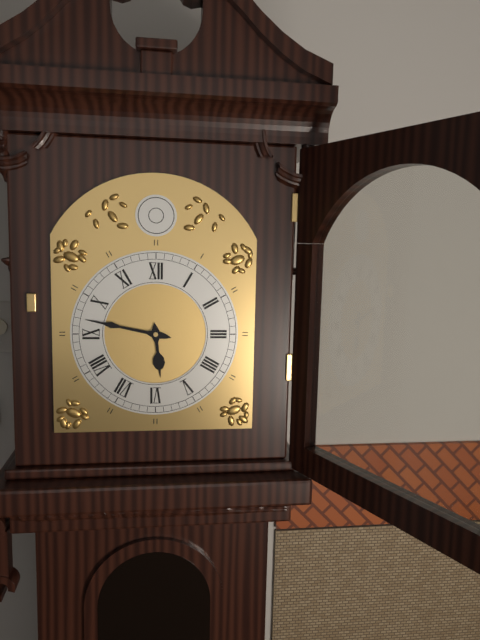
5:47
